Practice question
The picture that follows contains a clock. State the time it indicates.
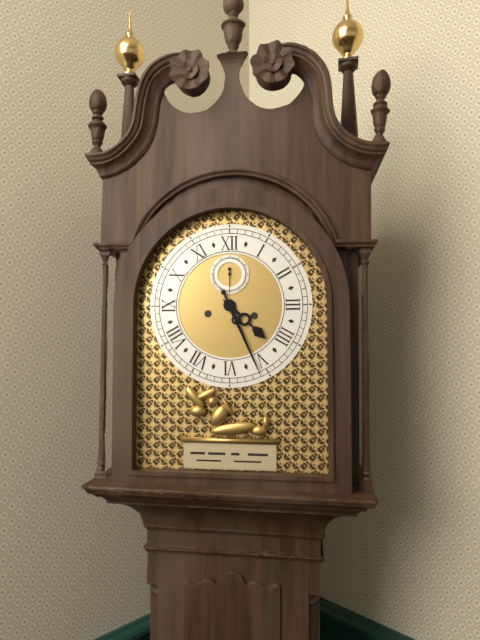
4:26
